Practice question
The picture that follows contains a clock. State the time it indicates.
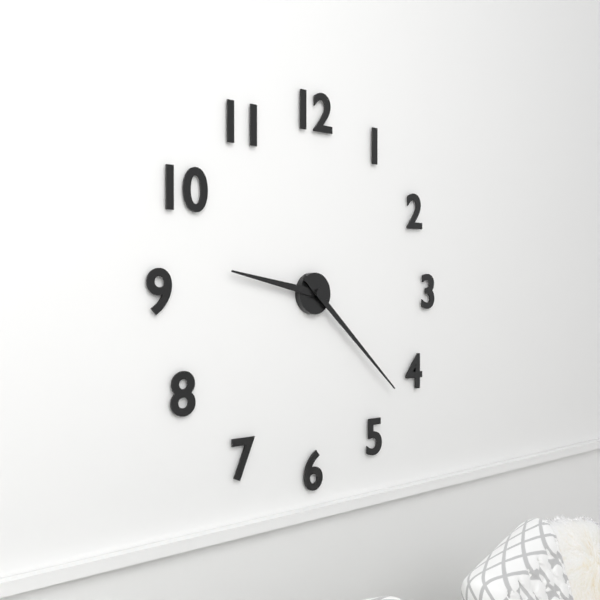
9:22
